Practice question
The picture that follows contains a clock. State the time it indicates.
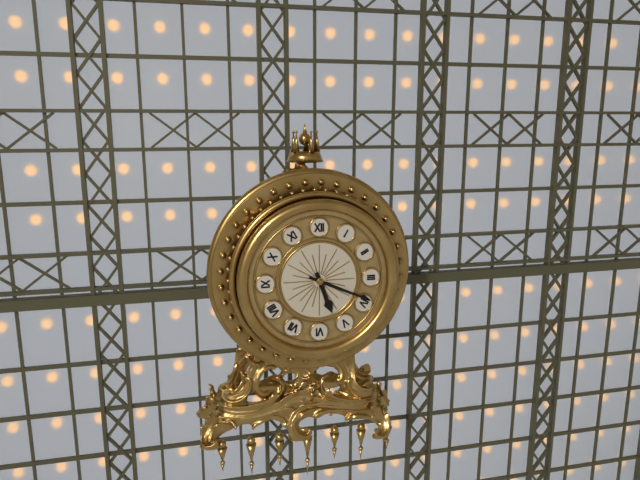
5:19
